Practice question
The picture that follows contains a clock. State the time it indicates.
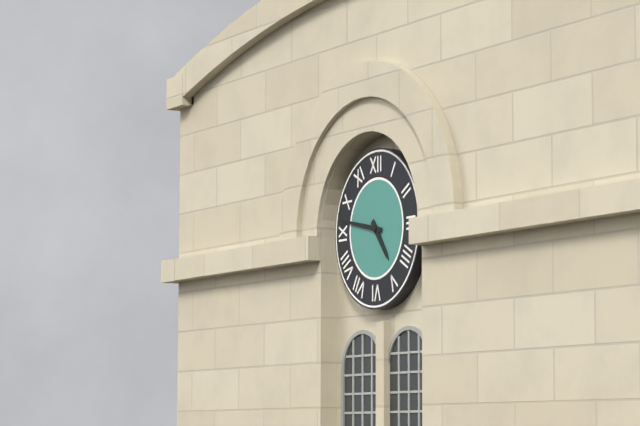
4:47
